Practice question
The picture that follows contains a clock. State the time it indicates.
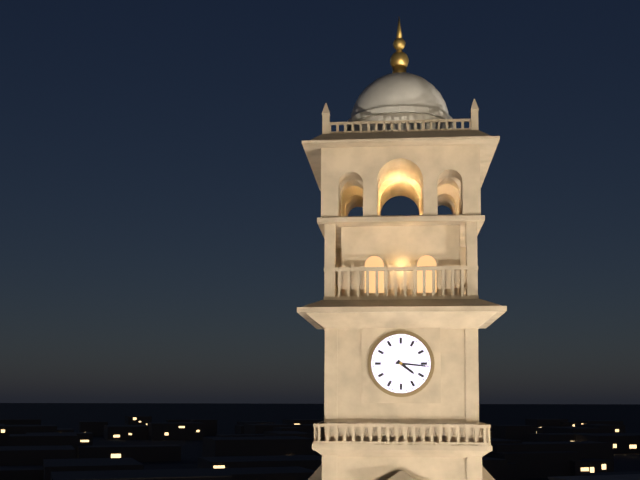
4:16
